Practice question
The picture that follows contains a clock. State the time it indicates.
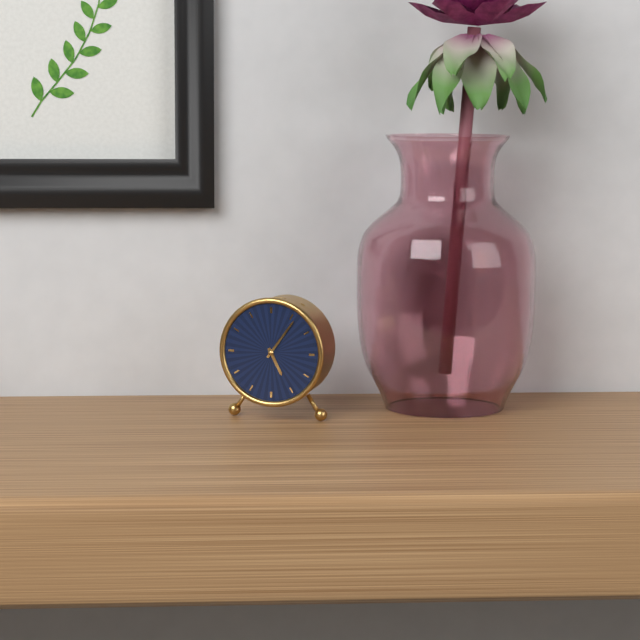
5:06
